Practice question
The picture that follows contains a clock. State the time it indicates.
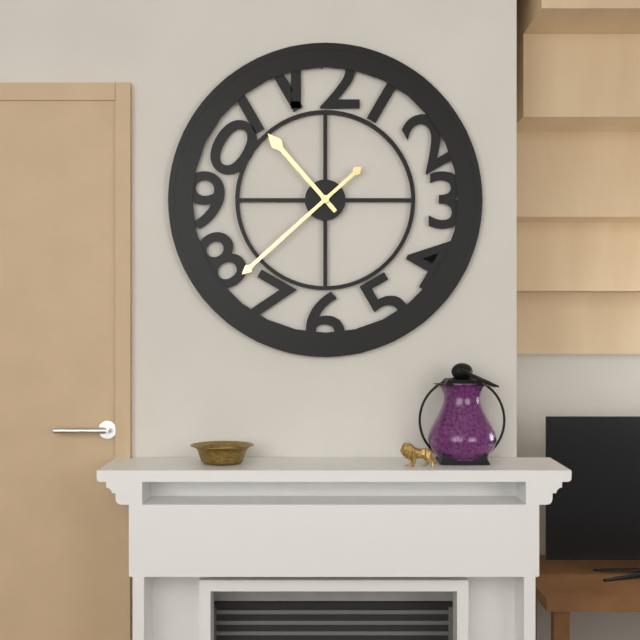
10:38
